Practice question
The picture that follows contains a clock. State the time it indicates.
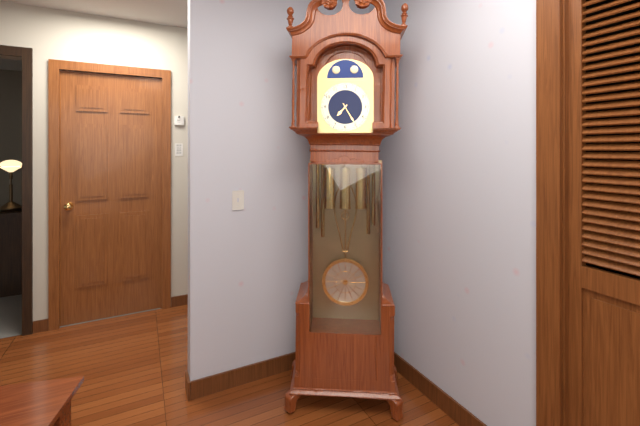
7:25
